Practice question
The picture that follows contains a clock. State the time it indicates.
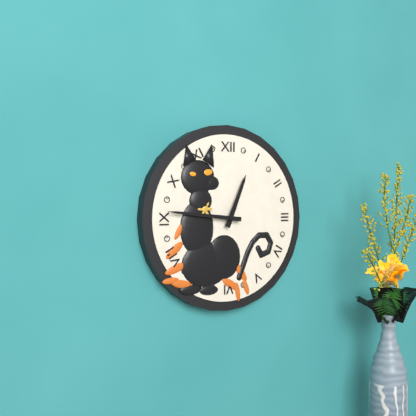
12:46
